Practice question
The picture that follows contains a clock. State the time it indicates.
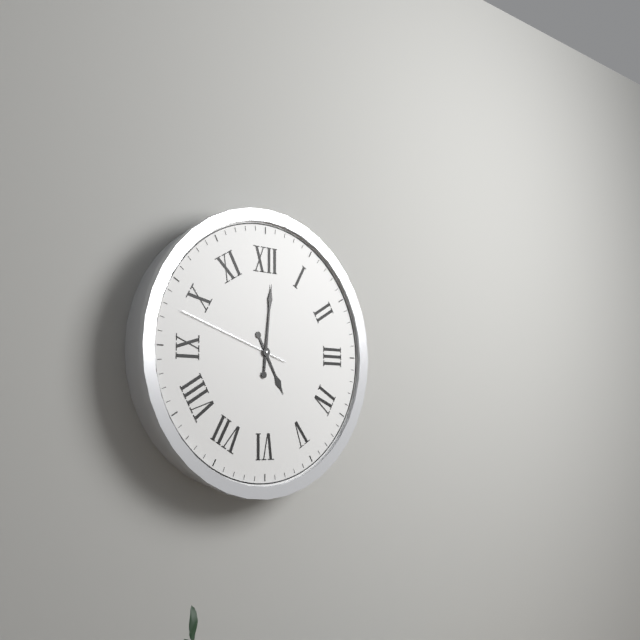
5:01:48
